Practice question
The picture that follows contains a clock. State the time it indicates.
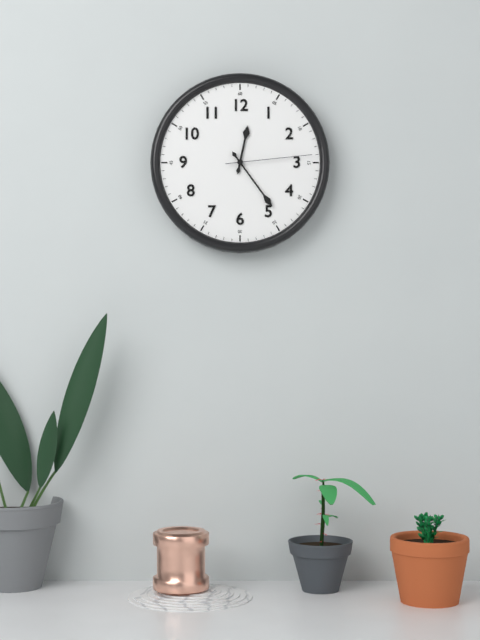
12:24:14
